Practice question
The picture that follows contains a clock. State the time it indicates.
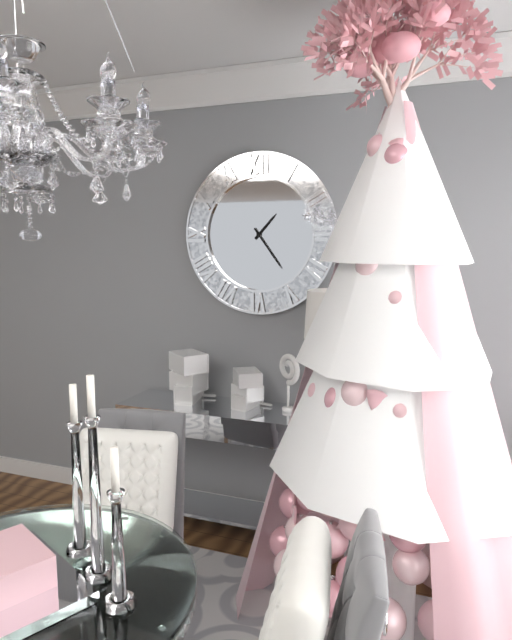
1:24
